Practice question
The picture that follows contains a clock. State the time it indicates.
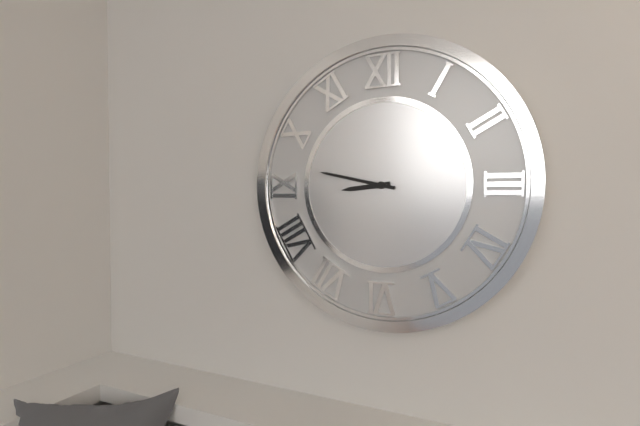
8:47
